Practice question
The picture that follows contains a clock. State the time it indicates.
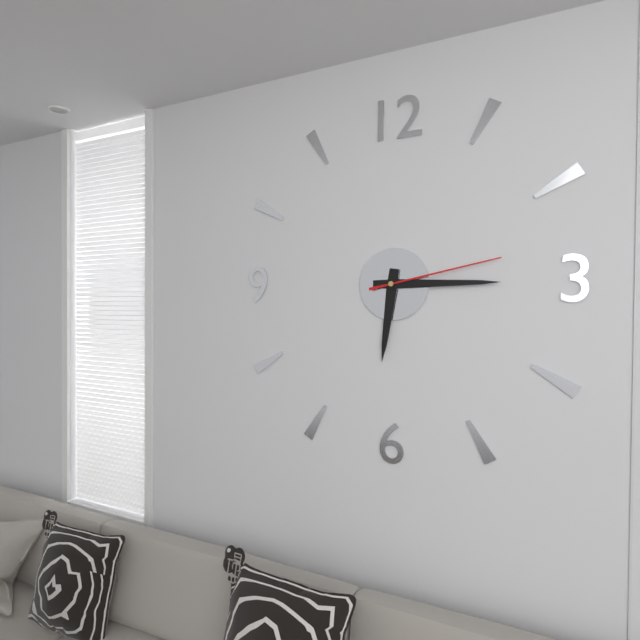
6:15:13
